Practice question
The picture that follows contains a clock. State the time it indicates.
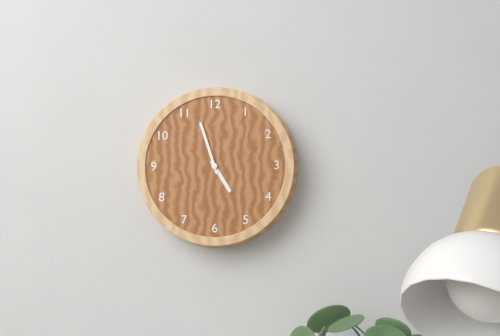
4:57
